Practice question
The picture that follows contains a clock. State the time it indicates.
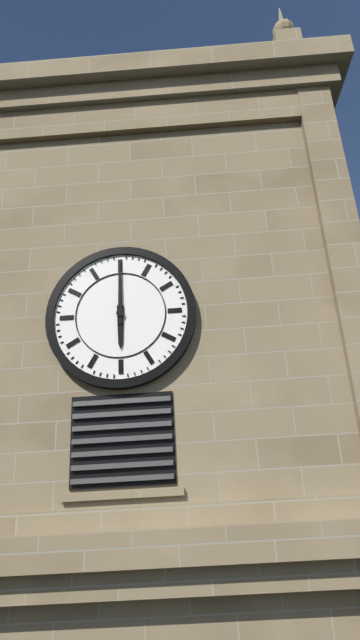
6:00
